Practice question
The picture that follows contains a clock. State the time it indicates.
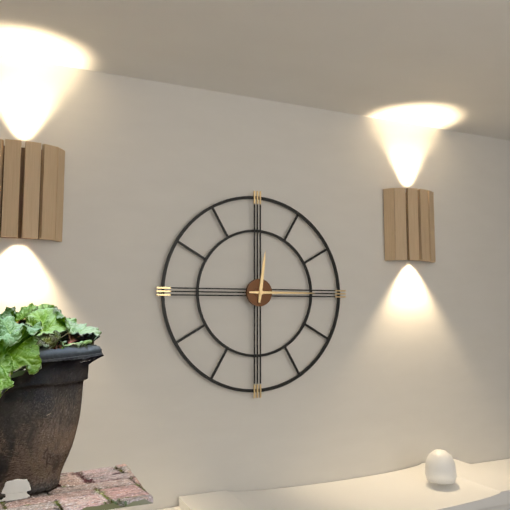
12:15
